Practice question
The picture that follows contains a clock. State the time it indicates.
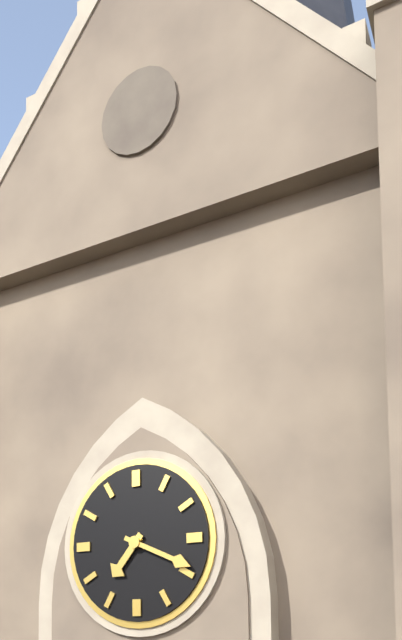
7:19
